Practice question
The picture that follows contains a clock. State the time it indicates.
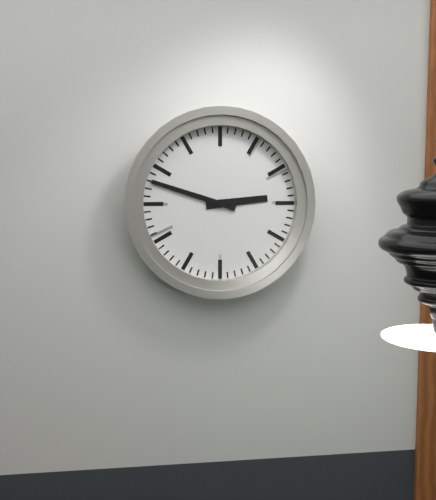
2:48
